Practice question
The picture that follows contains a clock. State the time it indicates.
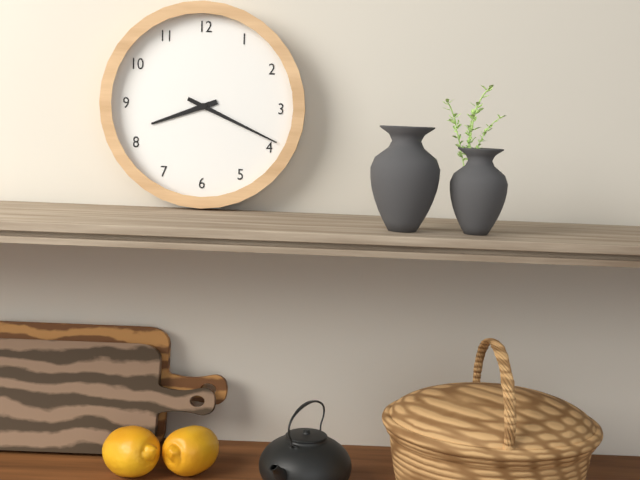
8:19
